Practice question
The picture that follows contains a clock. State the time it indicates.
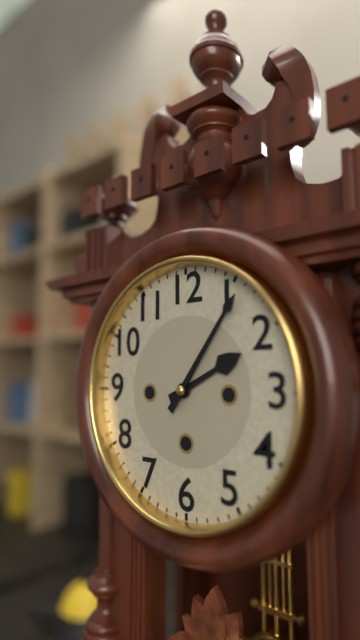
2:06
